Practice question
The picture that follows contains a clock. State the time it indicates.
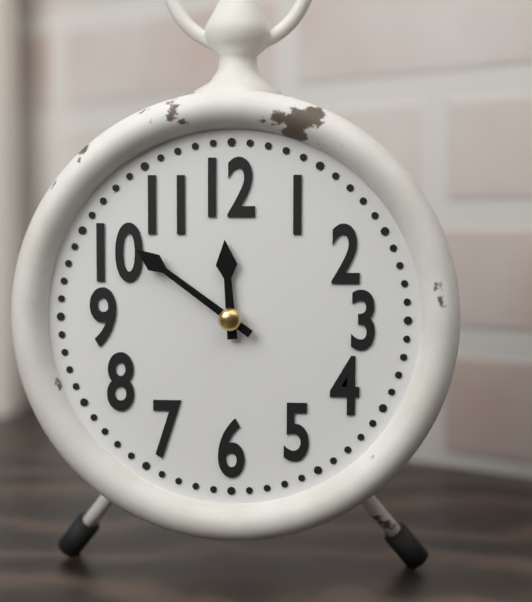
11:51
